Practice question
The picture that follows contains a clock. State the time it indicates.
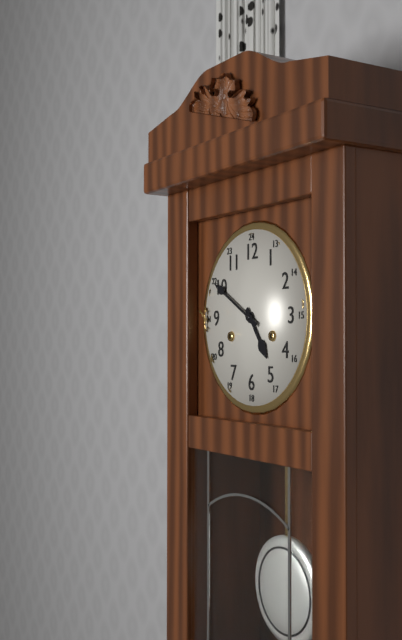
4:50
